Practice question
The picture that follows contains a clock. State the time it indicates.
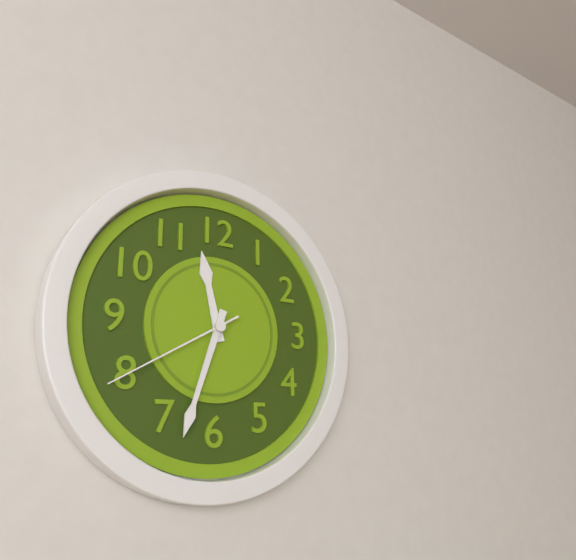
11:33:40
